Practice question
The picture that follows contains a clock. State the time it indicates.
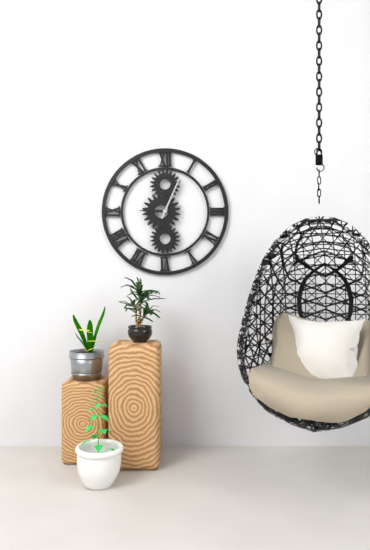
9:04
